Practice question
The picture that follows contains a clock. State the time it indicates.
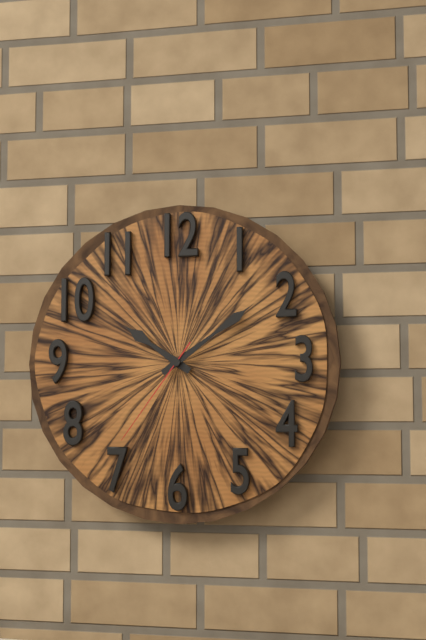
10:09:36
